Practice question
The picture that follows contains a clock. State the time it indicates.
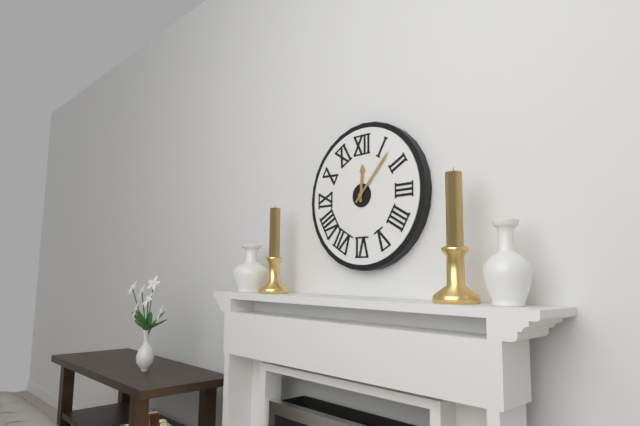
12:07
